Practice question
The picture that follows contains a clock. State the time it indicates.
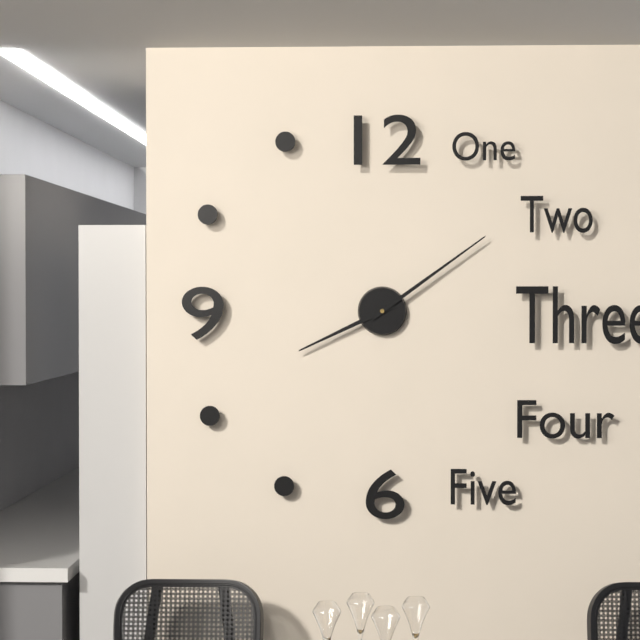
8:09
